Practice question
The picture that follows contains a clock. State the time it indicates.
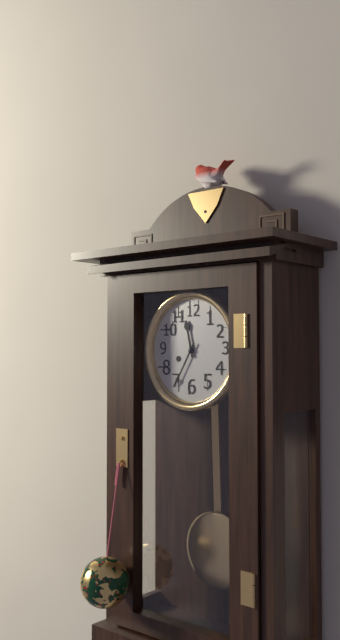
11:35
